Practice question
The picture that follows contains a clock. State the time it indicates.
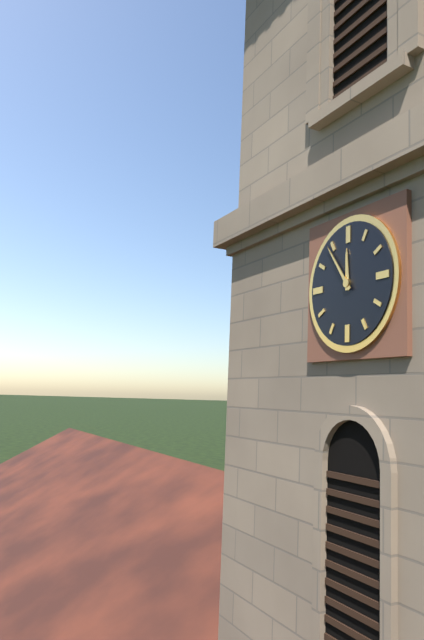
11:54
